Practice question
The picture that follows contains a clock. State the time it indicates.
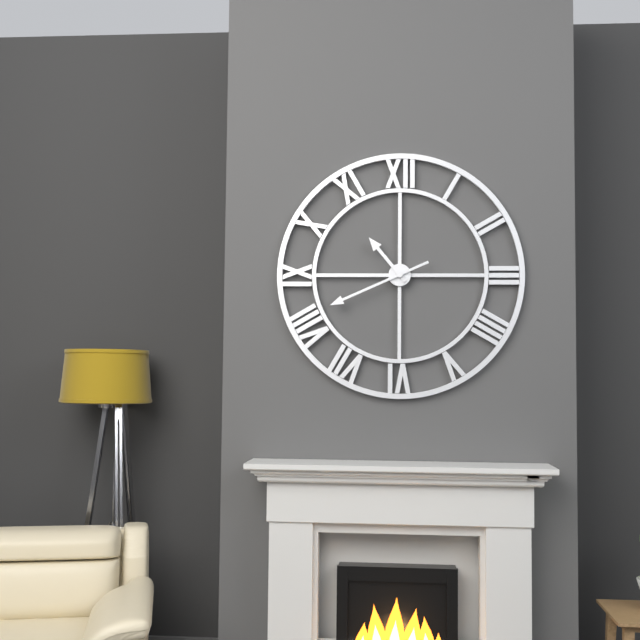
10:41
